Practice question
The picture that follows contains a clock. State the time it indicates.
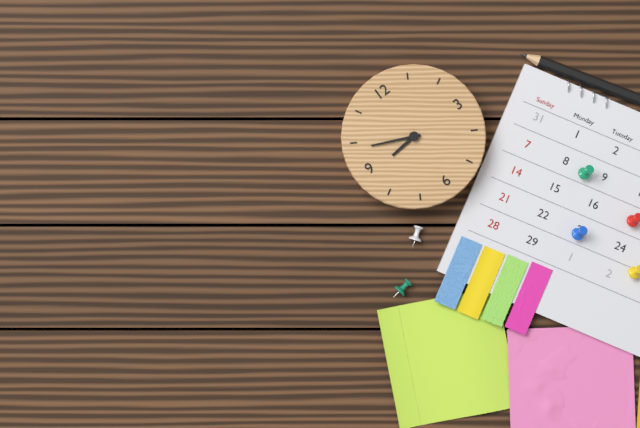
8:49
